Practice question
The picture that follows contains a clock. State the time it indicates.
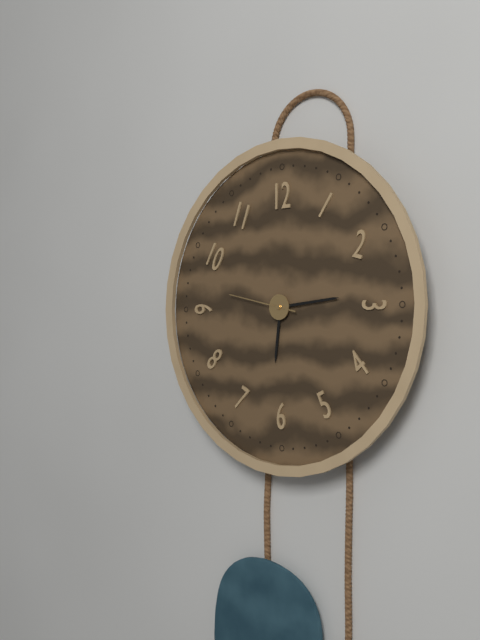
6:14:47
